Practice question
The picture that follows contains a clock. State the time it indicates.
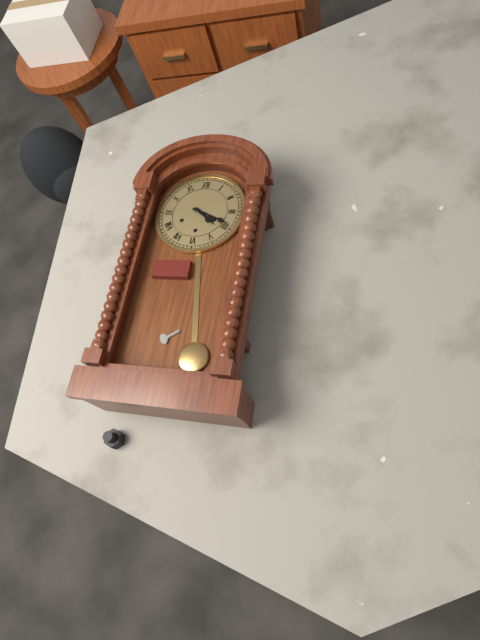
4:19
